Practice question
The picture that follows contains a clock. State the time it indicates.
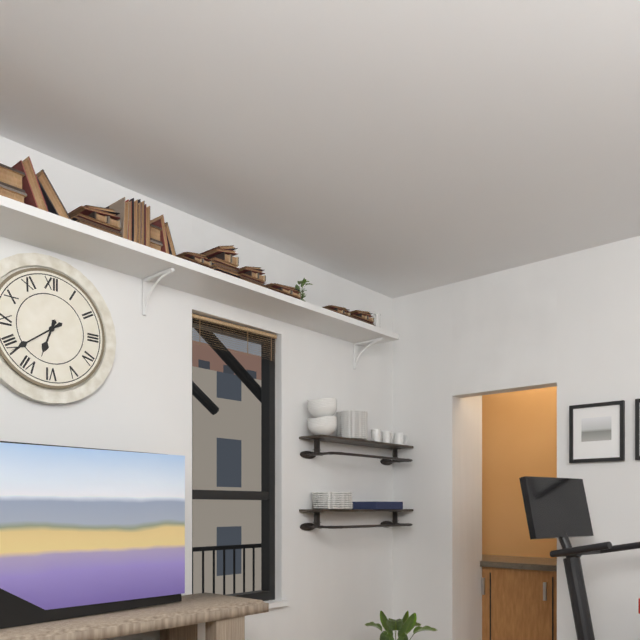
6:39
